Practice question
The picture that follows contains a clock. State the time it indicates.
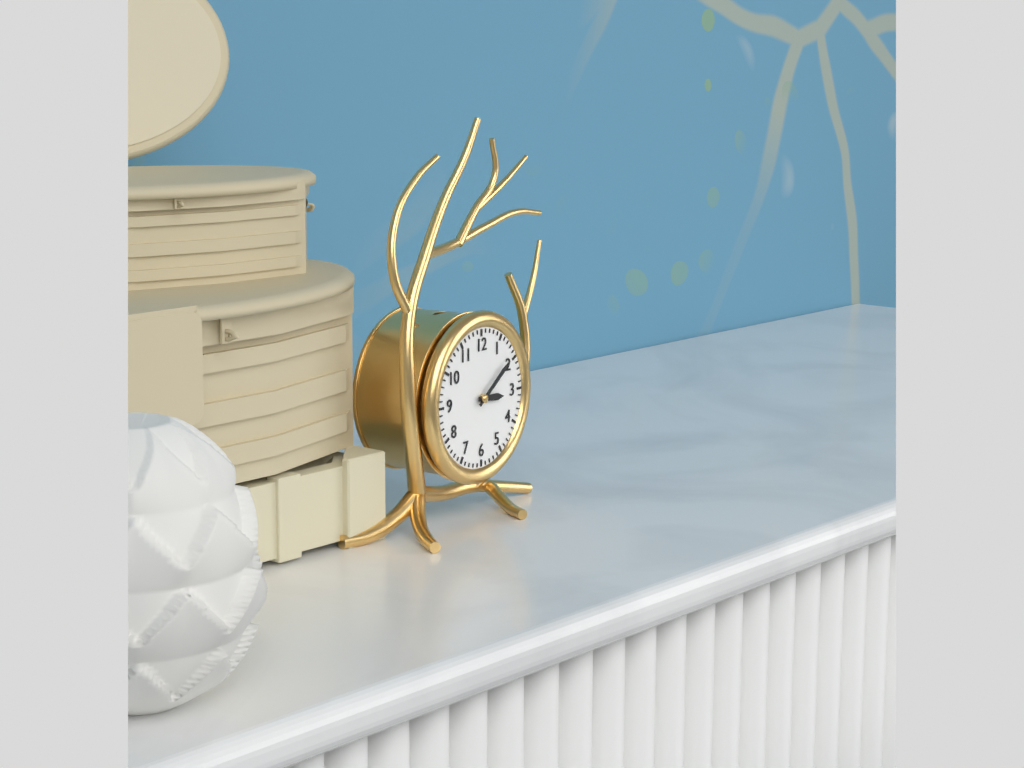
3:09
